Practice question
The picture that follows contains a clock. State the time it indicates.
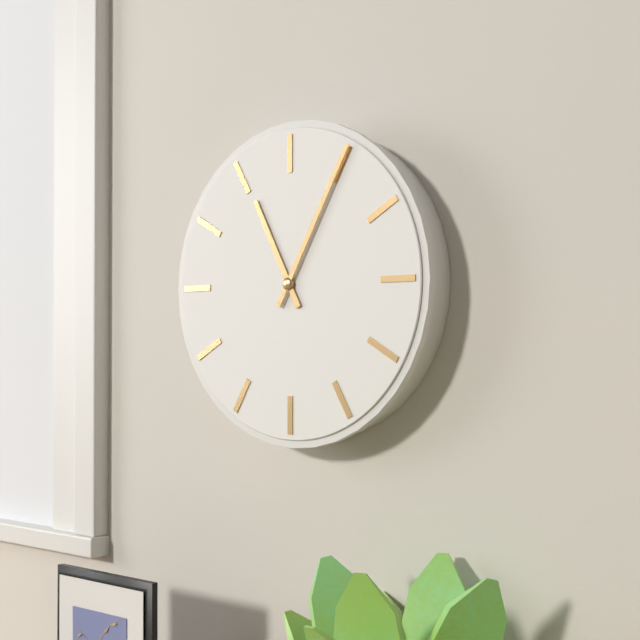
11:05
